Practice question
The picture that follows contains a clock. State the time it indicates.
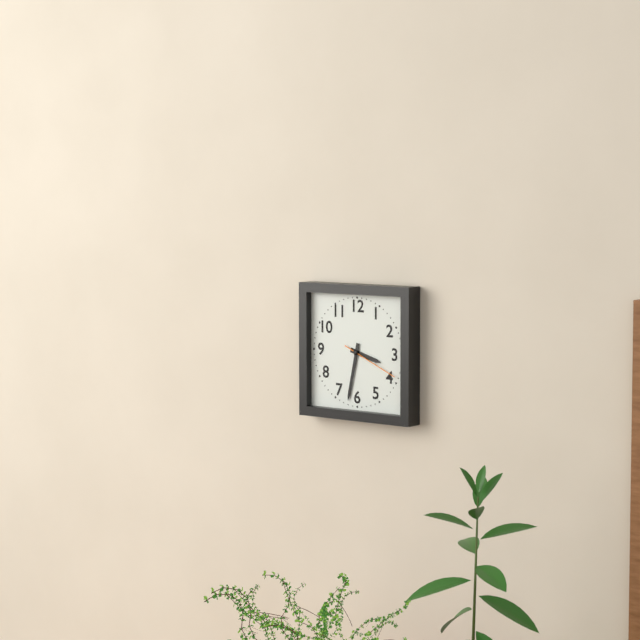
3:32:19
